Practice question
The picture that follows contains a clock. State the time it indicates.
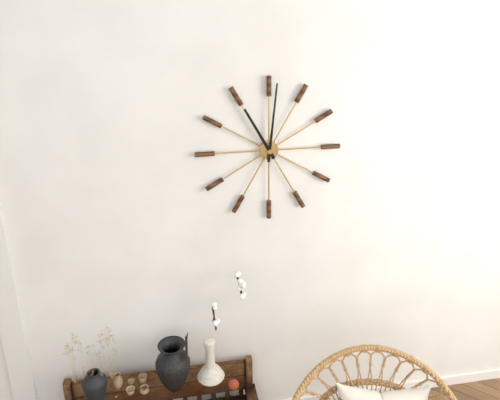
11:01
